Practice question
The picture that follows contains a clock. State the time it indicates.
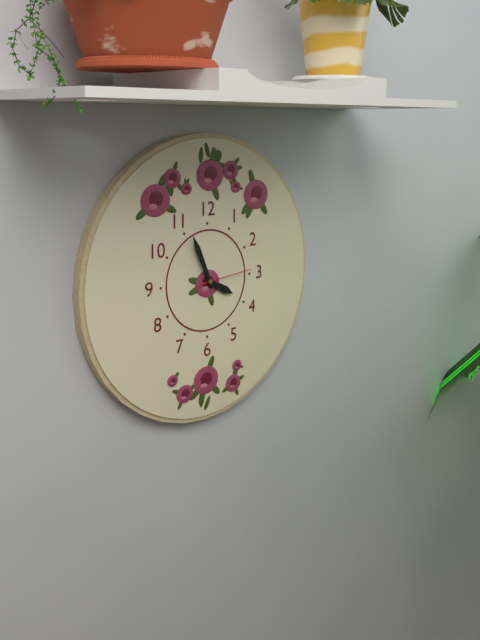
3:56:14
